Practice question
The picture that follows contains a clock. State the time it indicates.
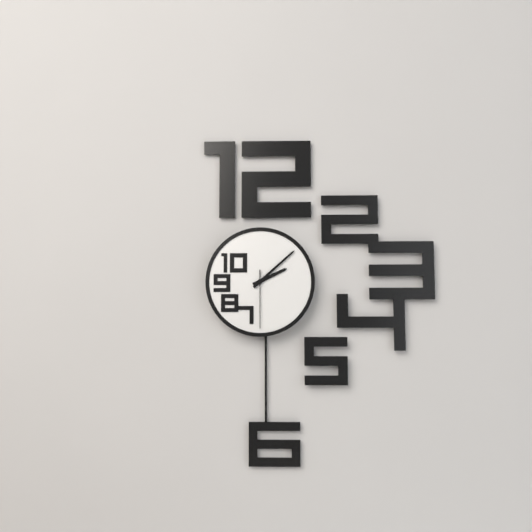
2:08:30
